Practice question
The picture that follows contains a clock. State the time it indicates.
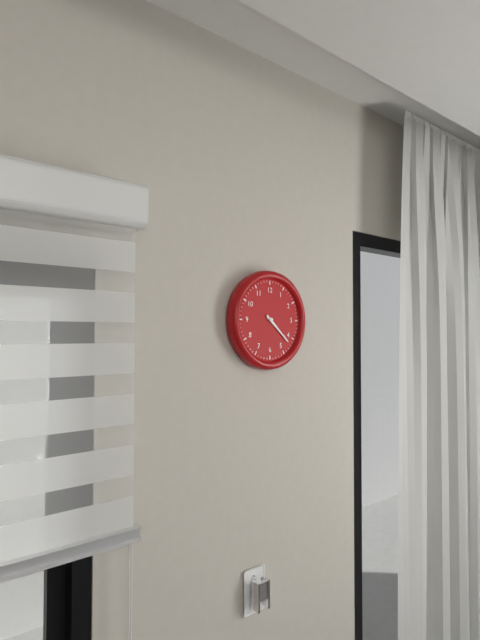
4:22
